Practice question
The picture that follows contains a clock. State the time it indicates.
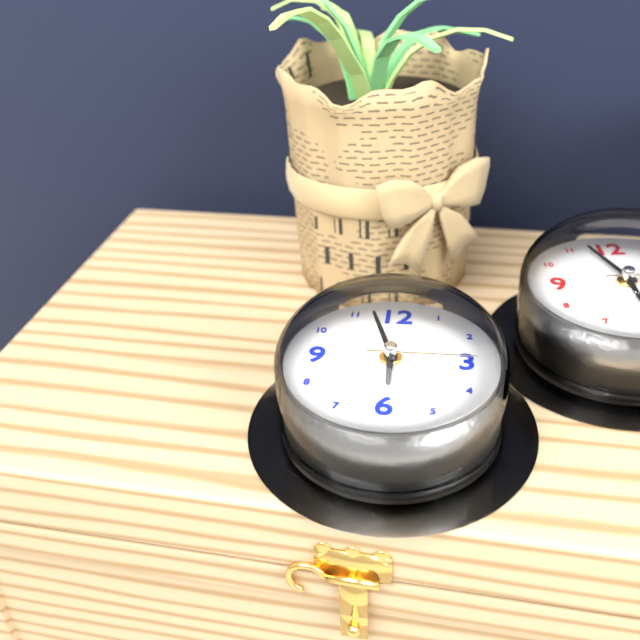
5:57:15
